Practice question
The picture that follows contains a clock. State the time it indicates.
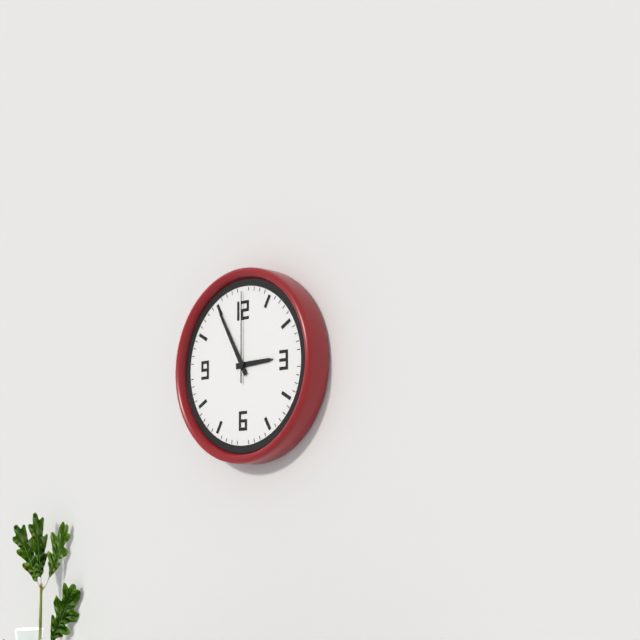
2:55:00
